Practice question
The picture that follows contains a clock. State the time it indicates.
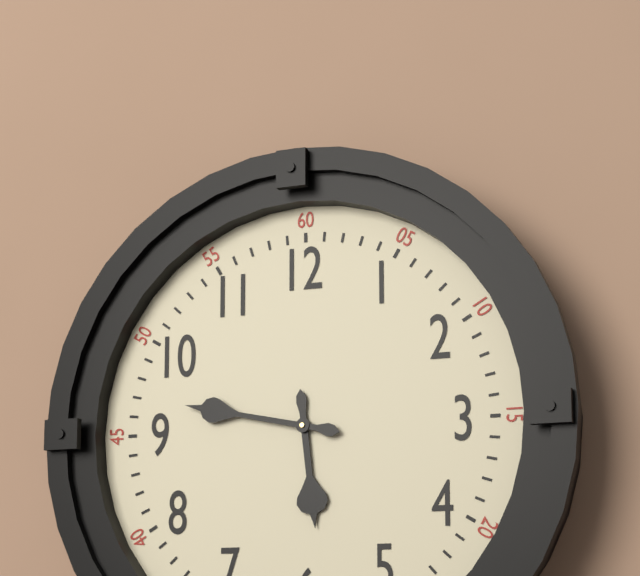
5:47
